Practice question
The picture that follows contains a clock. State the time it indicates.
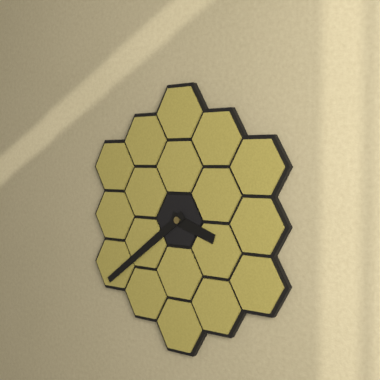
3:39
